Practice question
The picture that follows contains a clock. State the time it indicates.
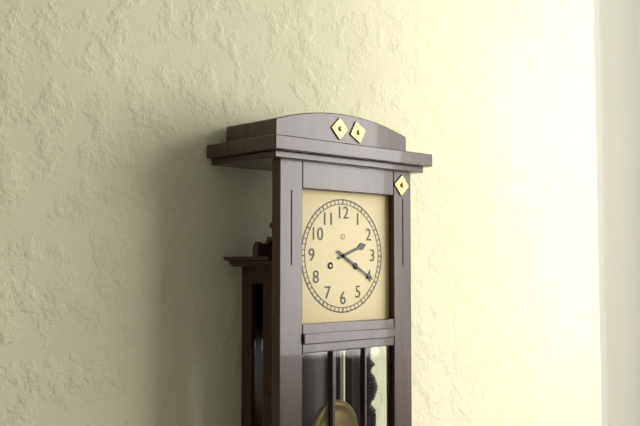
2:20
